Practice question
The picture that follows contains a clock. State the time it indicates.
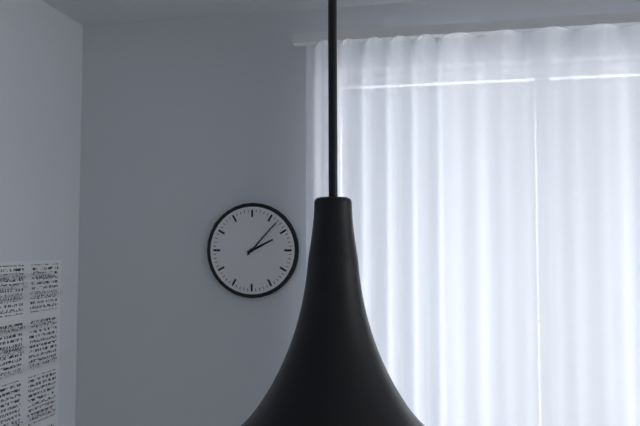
2:07
